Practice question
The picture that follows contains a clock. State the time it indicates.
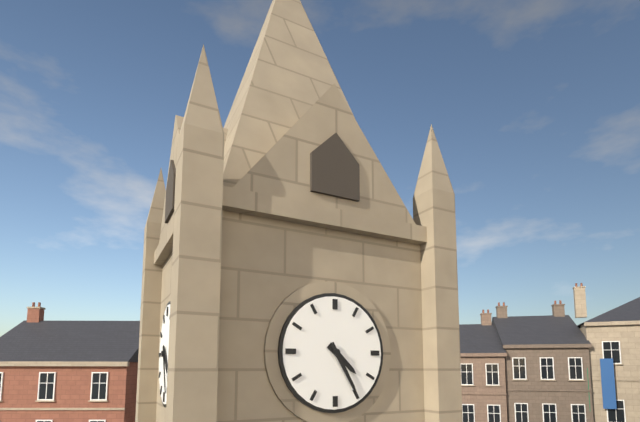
4:25
